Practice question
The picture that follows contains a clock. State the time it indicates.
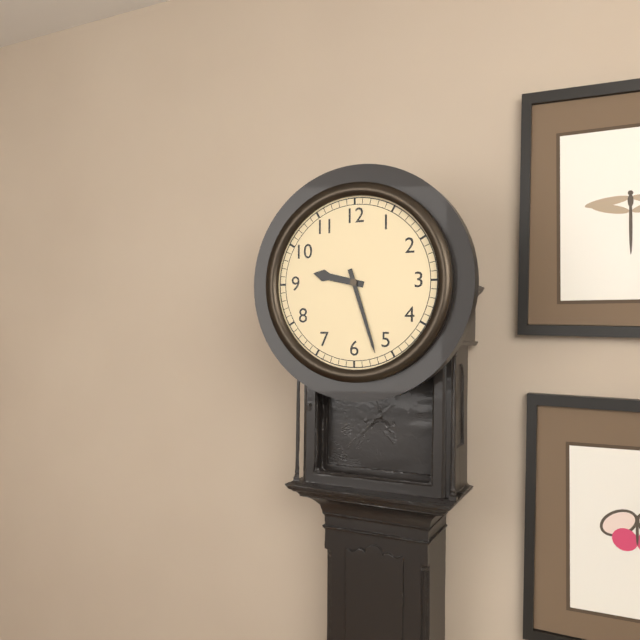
9:27
